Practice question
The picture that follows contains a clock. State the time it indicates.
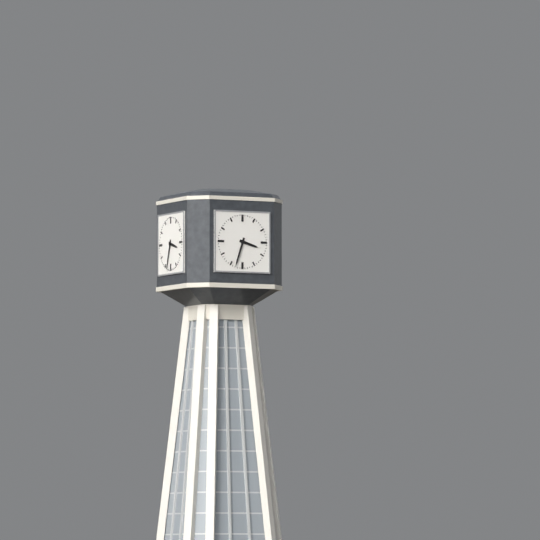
3:33
